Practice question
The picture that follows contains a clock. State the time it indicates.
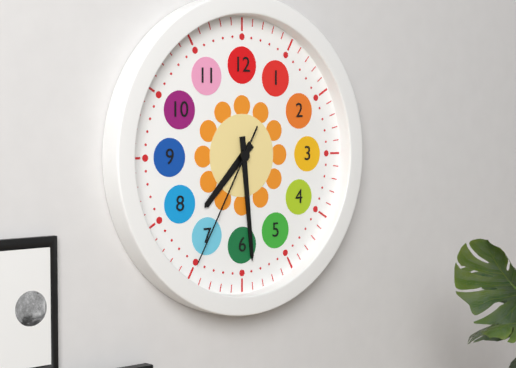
7:29:35
